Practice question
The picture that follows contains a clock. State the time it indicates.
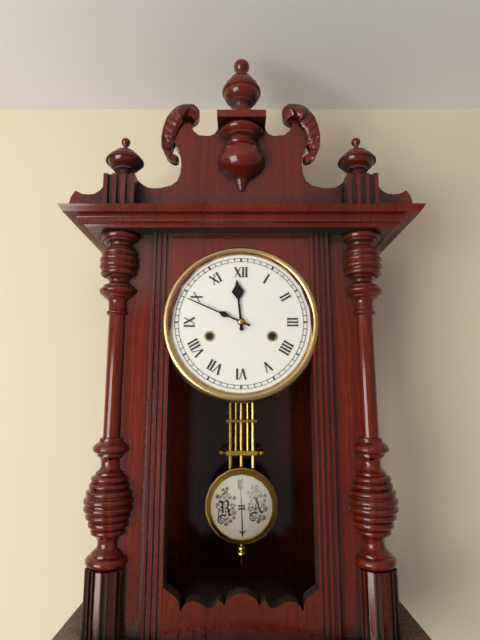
11:49
